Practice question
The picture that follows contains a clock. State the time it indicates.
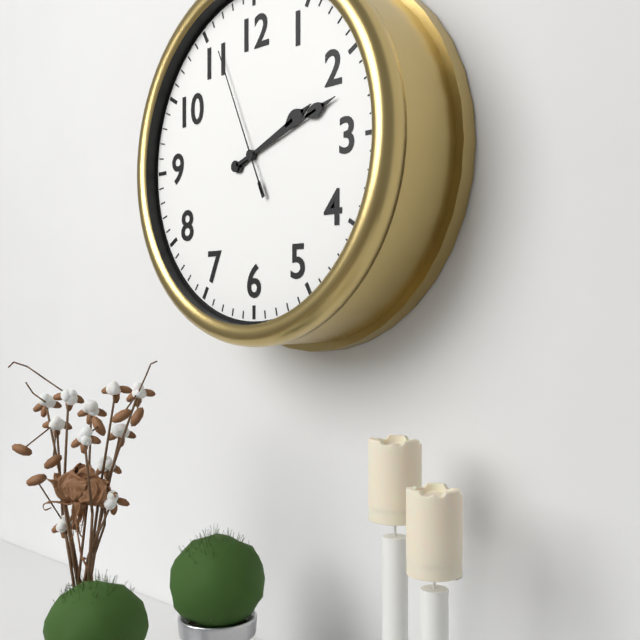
2:12:56
